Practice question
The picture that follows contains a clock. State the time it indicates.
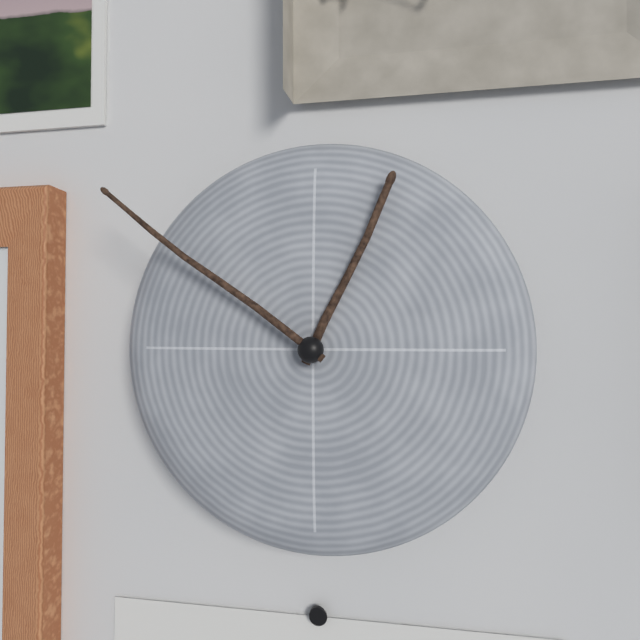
12:51
